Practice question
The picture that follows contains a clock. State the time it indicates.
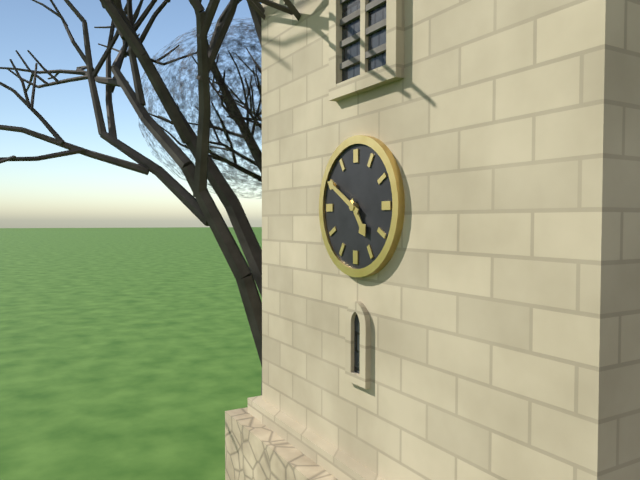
4:50
